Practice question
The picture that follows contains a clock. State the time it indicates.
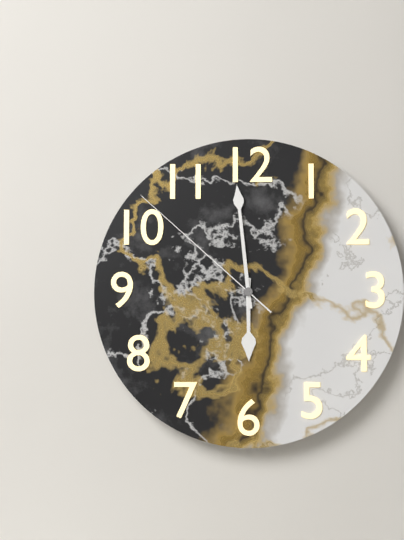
5:59:52
